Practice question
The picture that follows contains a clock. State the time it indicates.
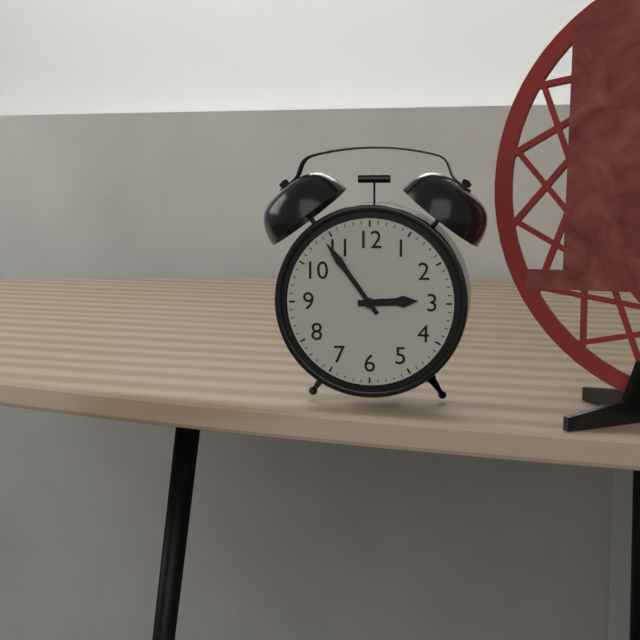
2:54
